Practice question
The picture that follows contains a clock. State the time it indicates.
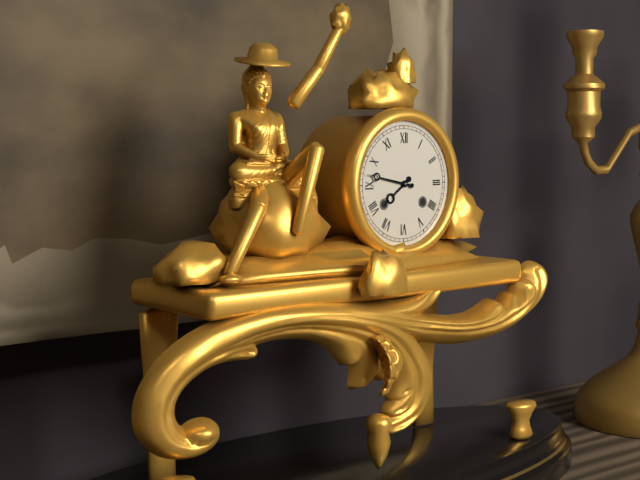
7:47
